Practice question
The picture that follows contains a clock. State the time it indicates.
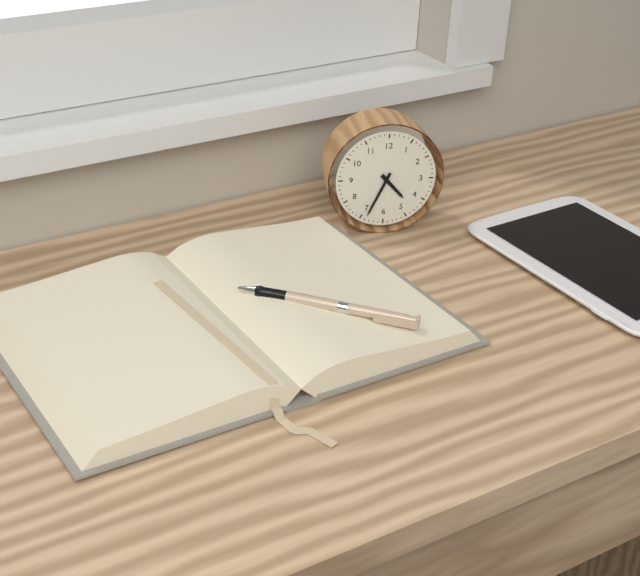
4:34
